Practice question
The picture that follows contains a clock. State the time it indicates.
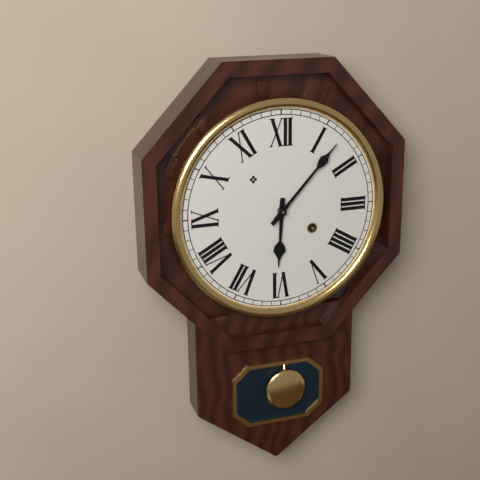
6:07
